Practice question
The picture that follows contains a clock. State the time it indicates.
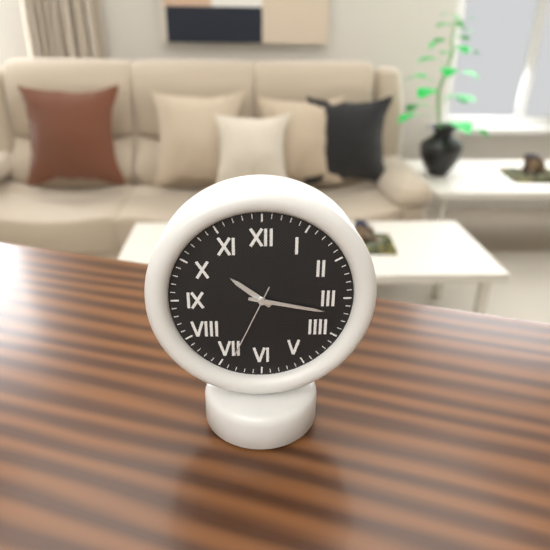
10:17:34
